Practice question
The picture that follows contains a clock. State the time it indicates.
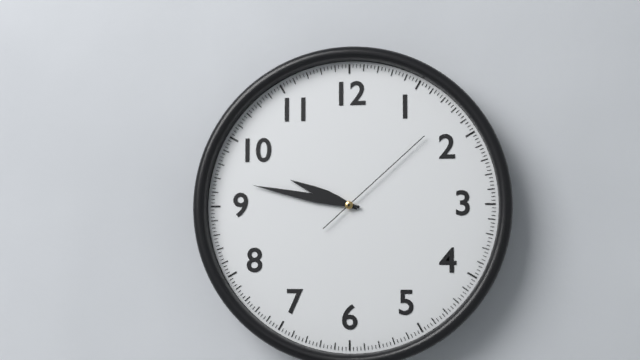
9:47:08
